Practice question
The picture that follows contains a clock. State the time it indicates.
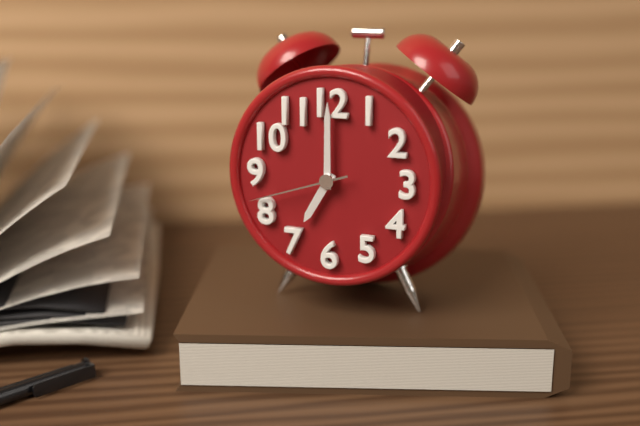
7:00:42
